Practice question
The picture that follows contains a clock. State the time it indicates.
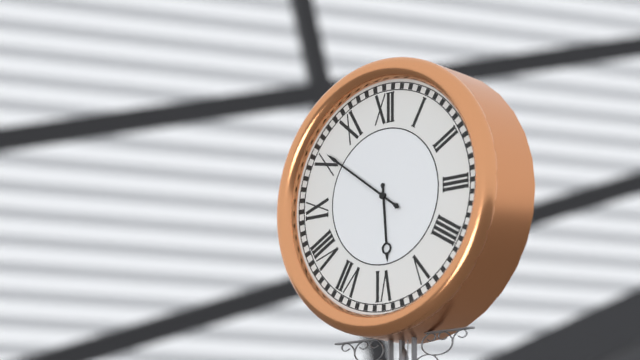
5:51
